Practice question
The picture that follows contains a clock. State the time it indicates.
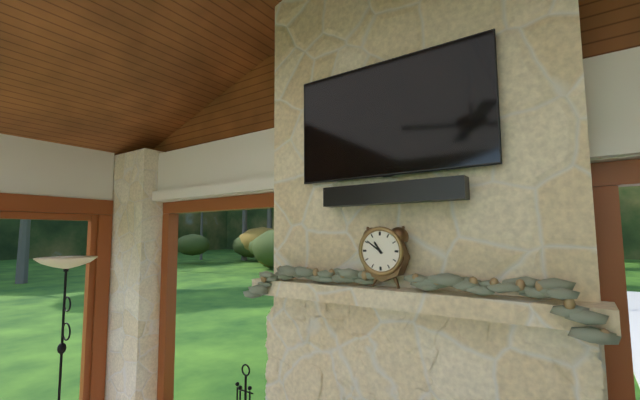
10:51
